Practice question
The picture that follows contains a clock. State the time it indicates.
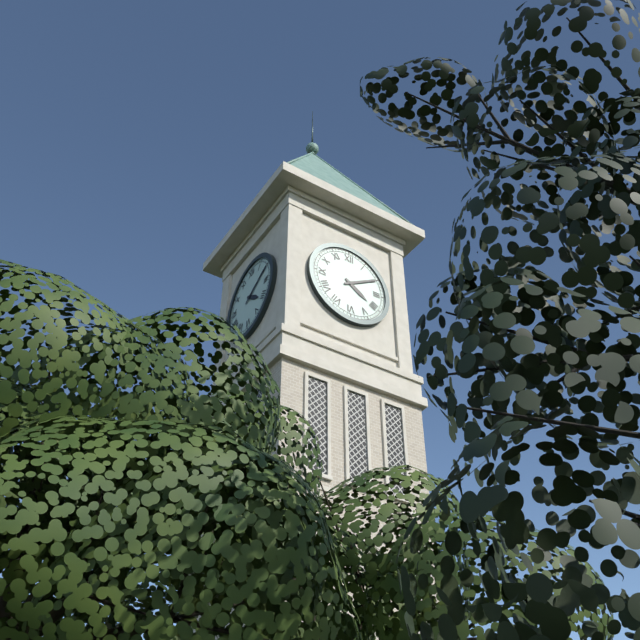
4:10
